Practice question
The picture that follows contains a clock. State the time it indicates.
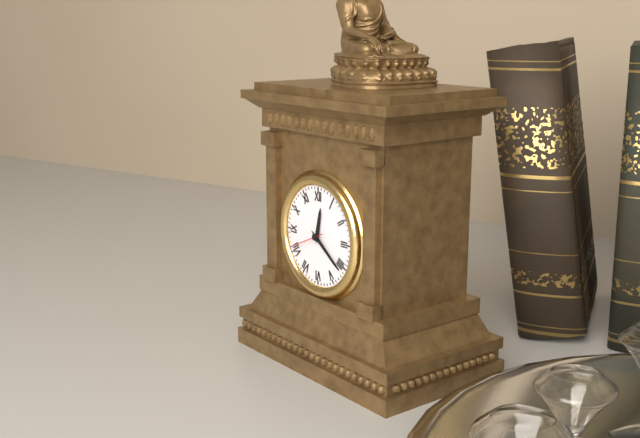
12:21
